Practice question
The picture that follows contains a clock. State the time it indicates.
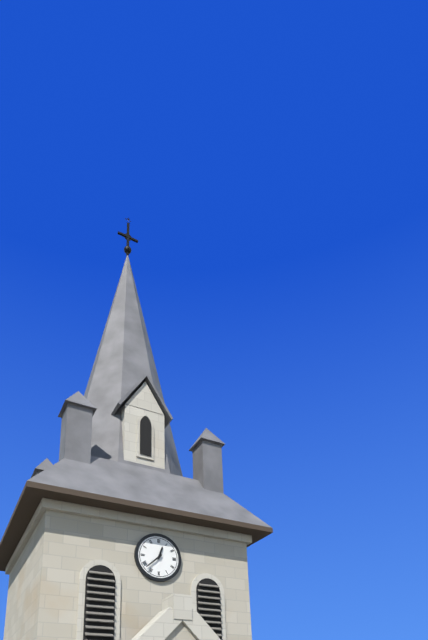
12:38
